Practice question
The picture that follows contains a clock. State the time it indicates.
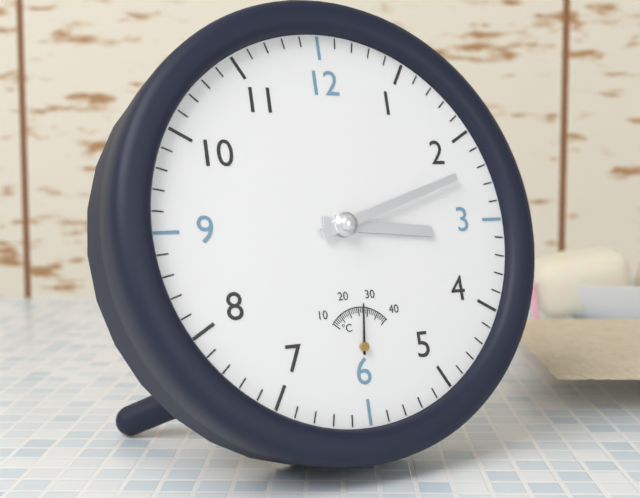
3:12
